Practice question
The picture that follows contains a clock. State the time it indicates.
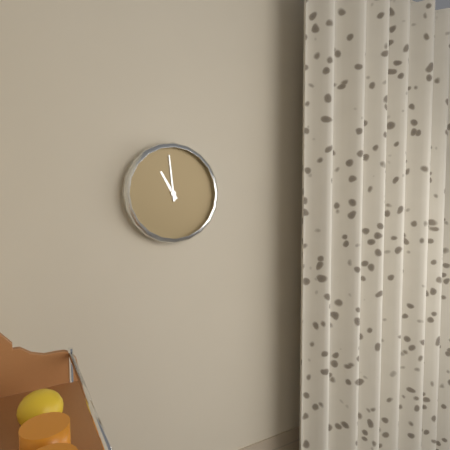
10:59
